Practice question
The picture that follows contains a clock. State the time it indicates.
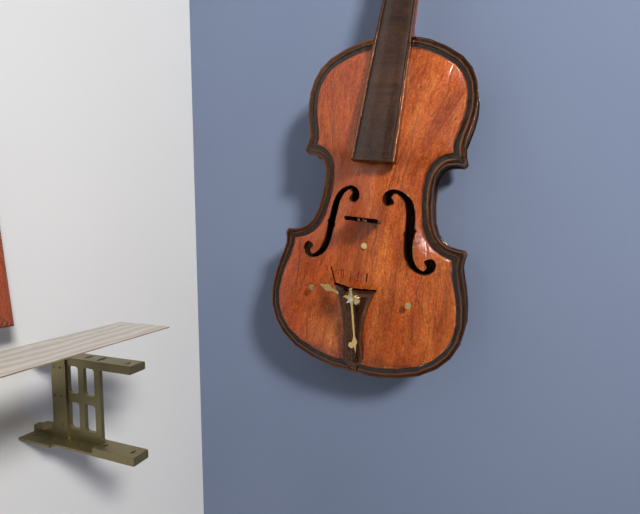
9:28
